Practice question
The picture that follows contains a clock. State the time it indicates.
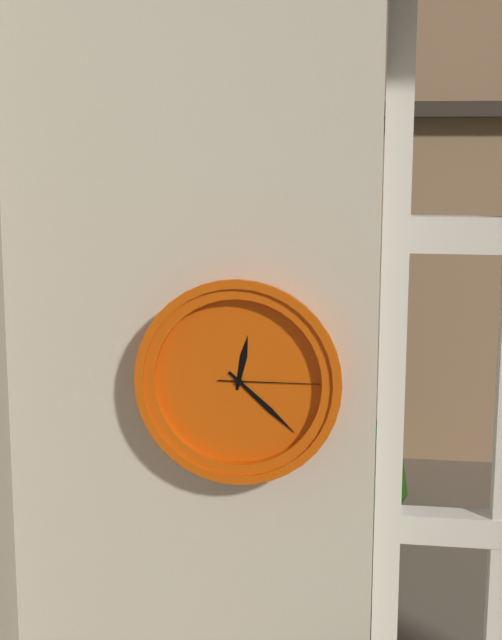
12:22:15
